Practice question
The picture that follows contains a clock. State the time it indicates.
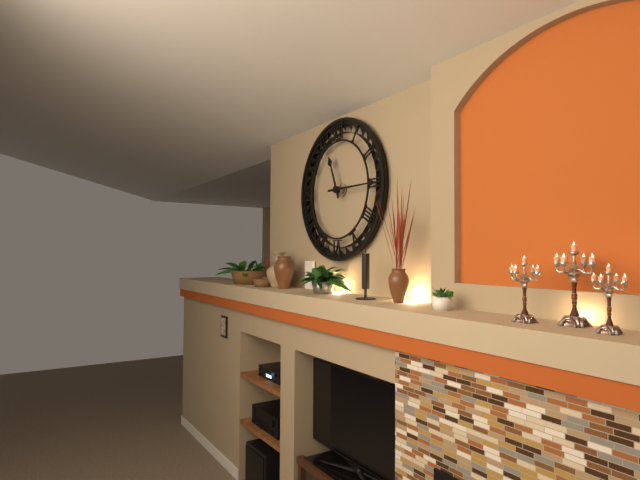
11:15
